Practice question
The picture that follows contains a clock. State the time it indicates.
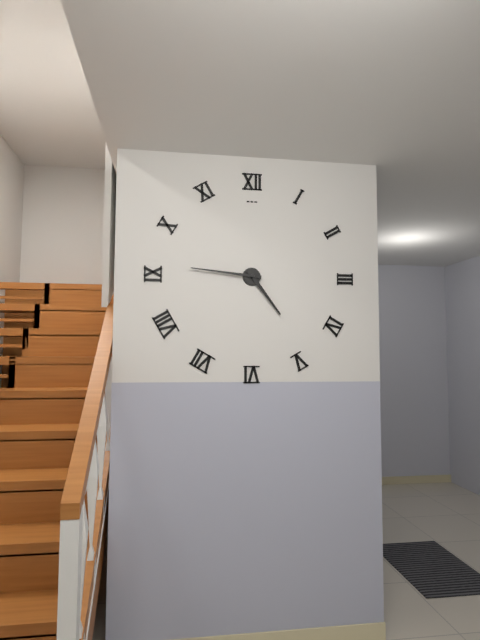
4:46
